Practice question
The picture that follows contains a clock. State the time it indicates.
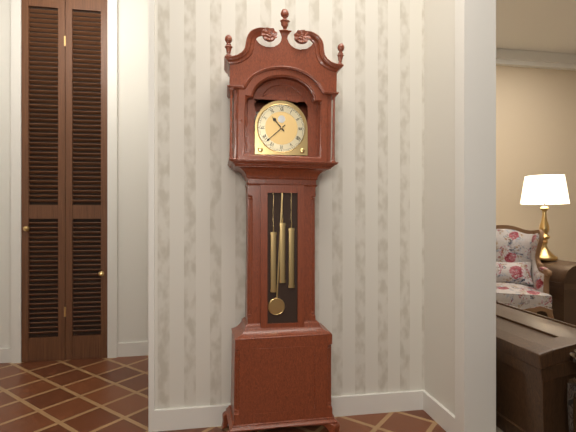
10:38
